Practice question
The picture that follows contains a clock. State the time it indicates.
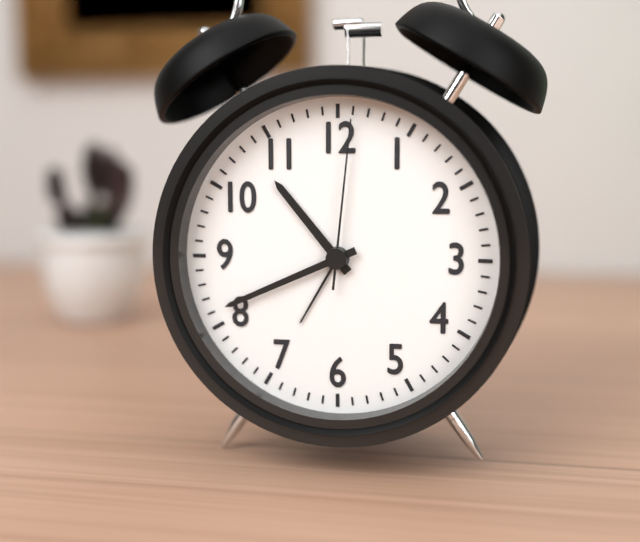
10:41:01
